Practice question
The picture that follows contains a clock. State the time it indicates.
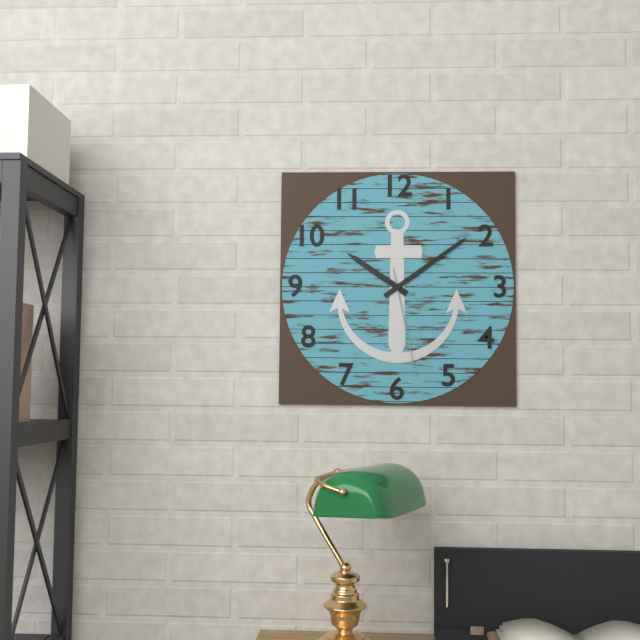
10:09:28
